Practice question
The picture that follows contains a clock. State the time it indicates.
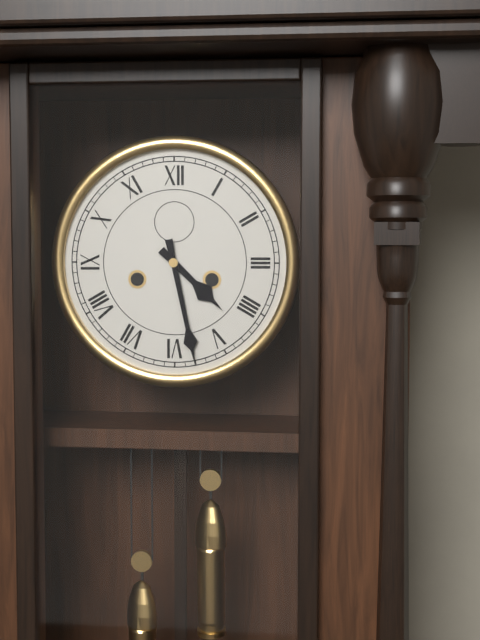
4:28
